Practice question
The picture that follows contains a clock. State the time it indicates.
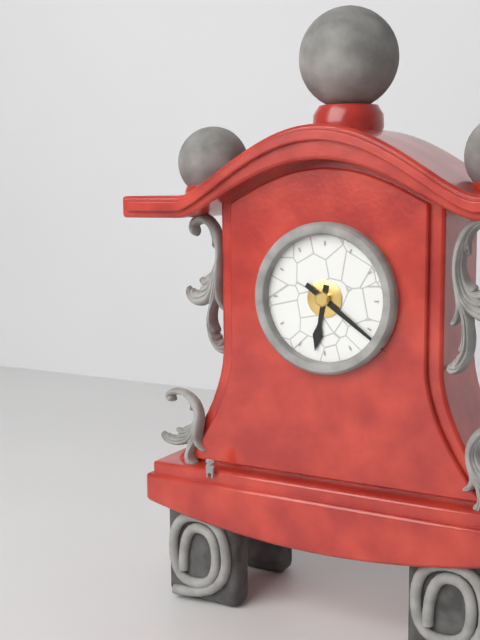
6:21
